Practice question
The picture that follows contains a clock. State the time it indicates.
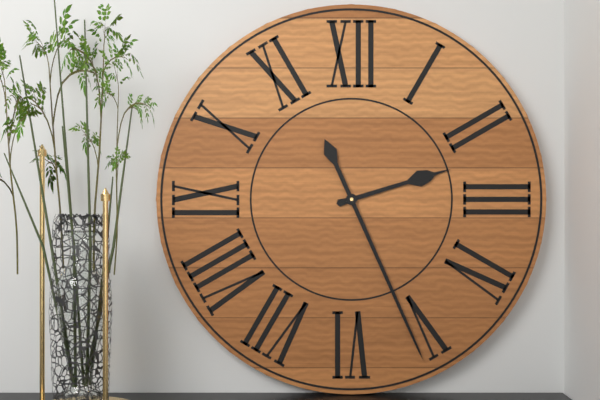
2:26
